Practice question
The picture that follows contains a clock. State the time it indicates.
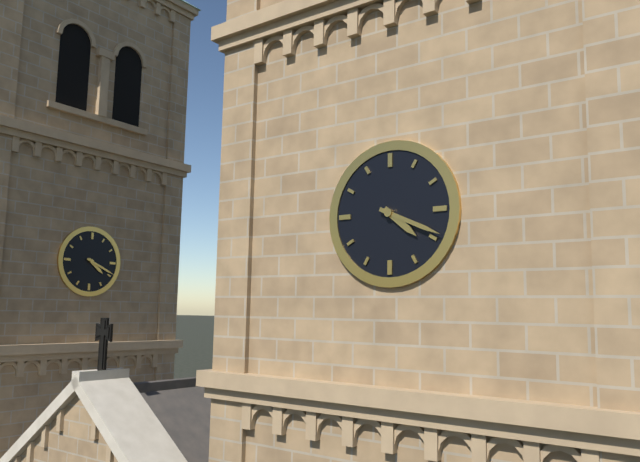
4:19
